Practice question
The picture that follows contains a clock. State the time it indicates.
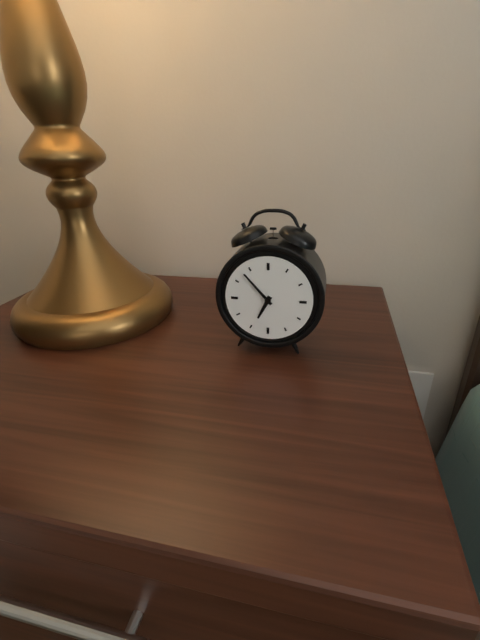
6:53
